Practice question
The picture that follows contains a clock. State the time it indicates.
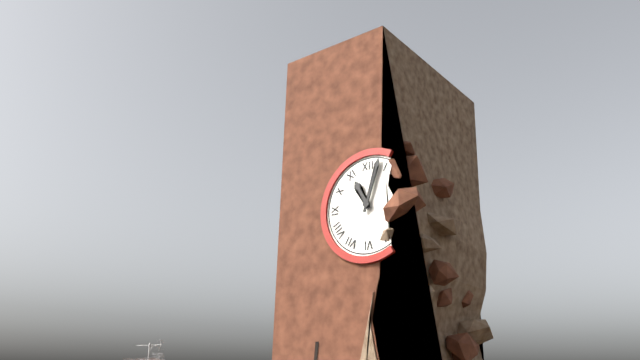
11:03
